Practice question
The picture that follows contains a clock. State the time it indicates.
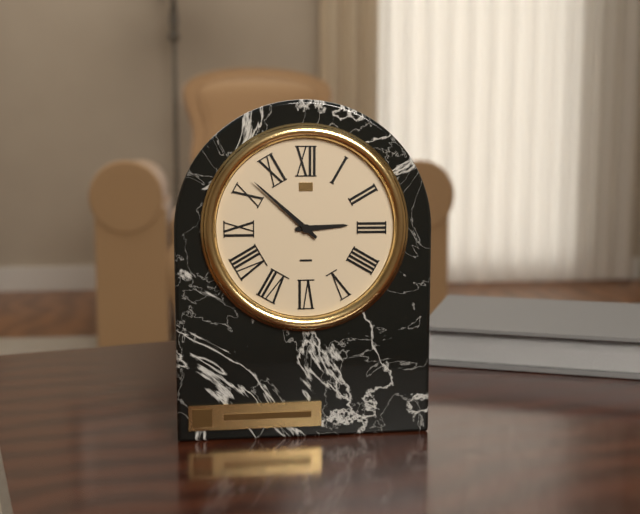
2:52
